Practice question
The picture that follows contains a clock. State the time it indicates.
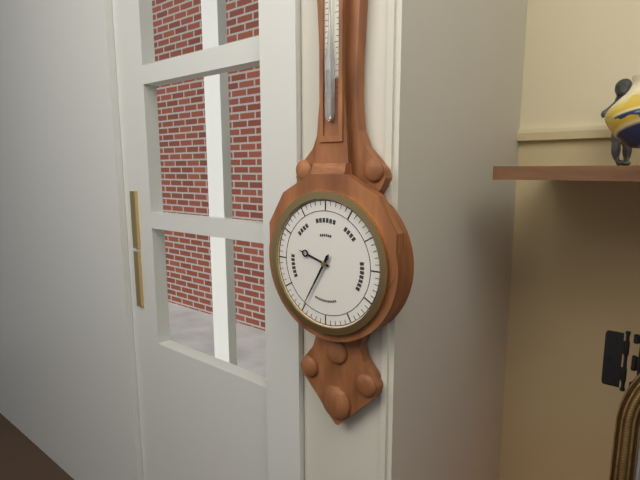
9:35
